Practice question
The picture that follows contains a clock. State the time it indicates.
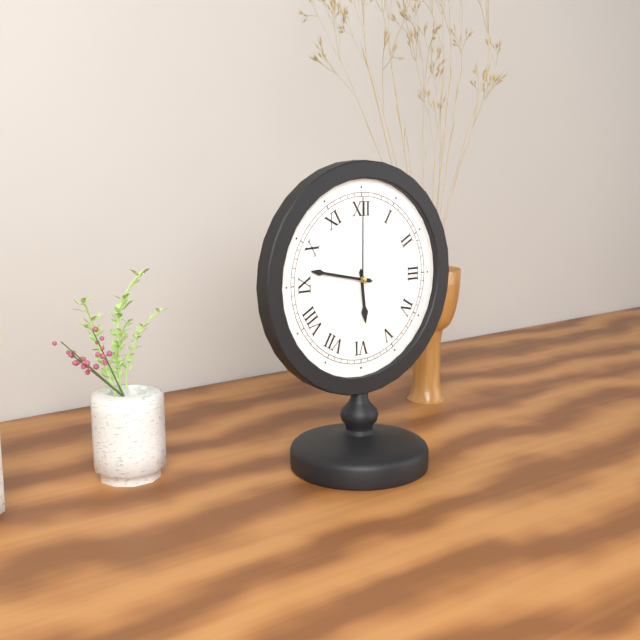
5:47:00
